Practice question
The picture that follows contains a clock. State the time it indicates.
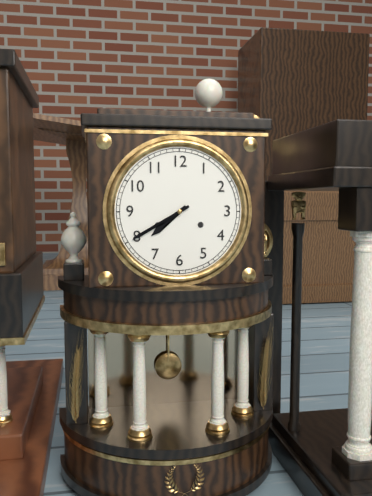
7:40
